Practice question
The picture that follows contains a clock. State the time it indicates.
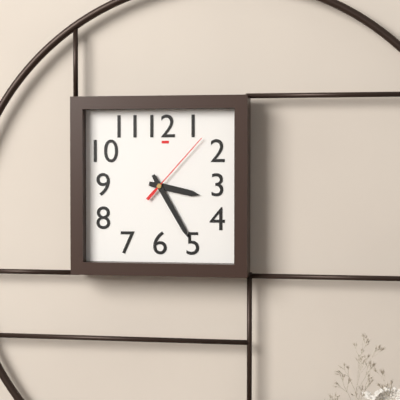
3:25:07
